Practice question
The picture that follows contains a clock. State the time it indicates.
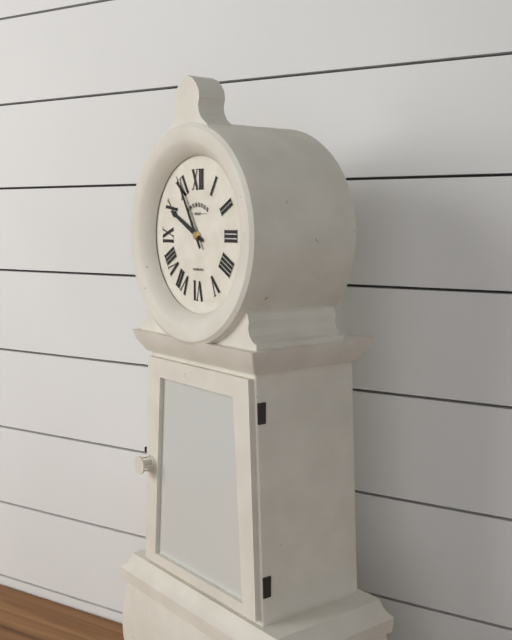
9:55
